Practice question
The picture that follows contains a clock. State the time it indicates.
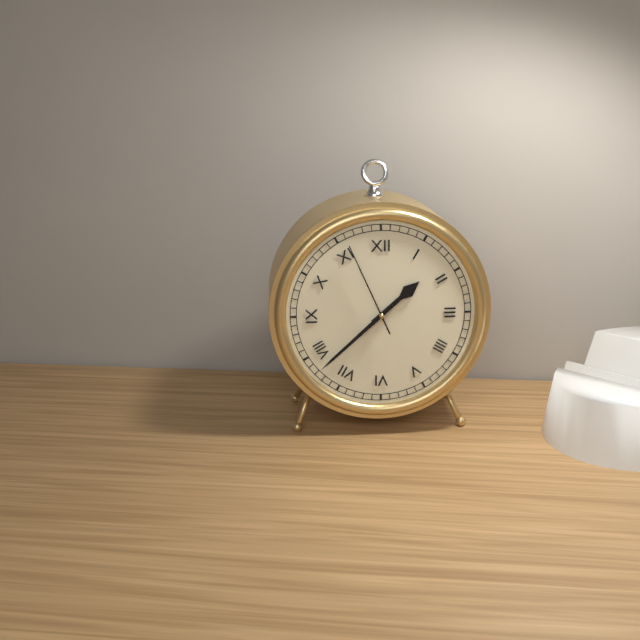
1:38:56
